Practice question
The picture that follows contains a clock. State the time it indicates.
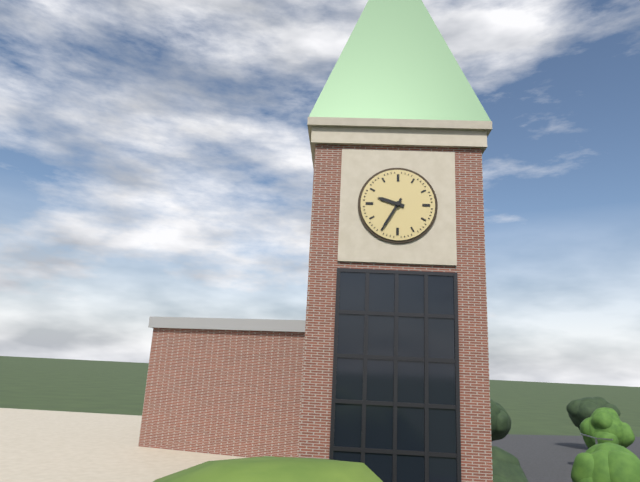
9:35
